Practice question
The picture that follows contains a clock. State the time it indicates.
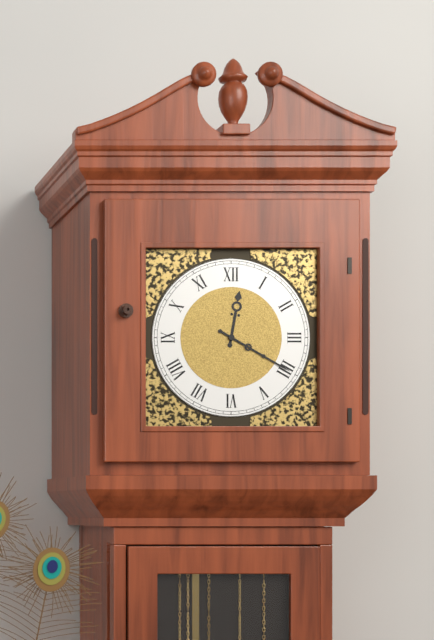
12:20
